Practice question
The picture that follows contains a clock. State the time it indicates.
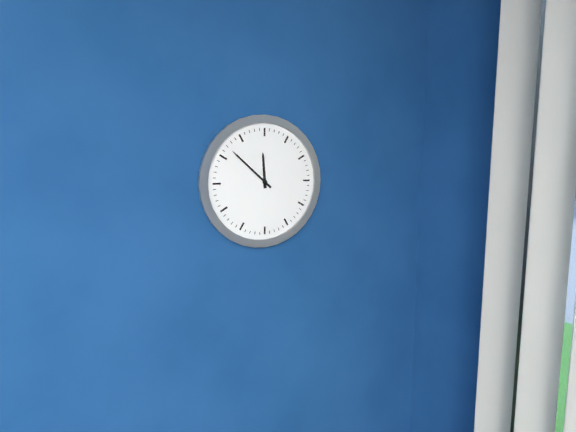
11:52
